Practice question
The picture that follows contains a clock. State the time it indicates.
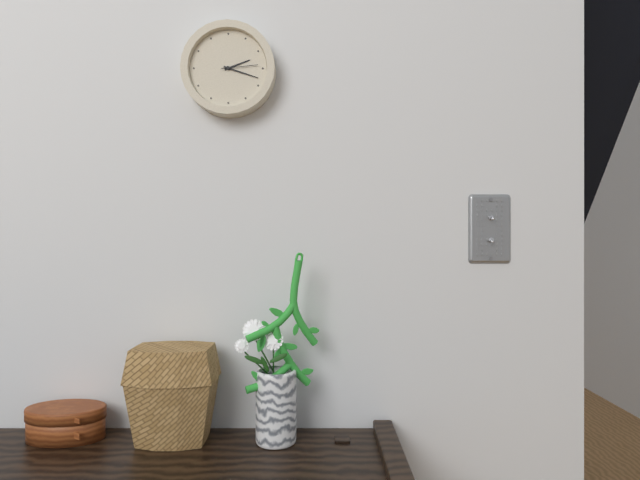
2:18
